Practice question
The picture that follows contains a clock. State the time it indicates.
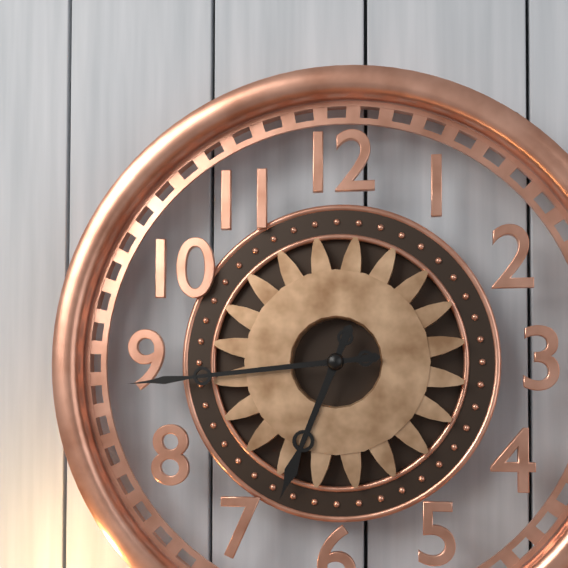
6:44
